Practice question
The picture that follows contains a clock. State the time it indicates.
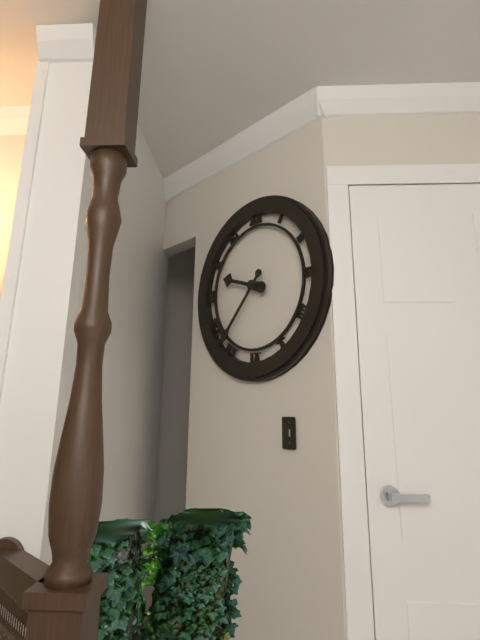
9:37
